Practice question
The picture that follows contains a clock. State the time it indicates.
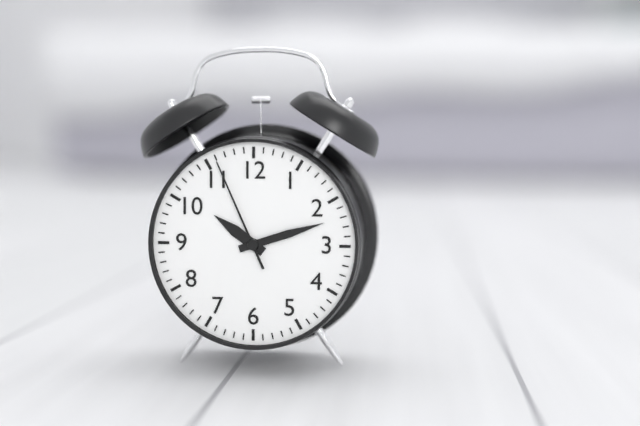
10:12:56
